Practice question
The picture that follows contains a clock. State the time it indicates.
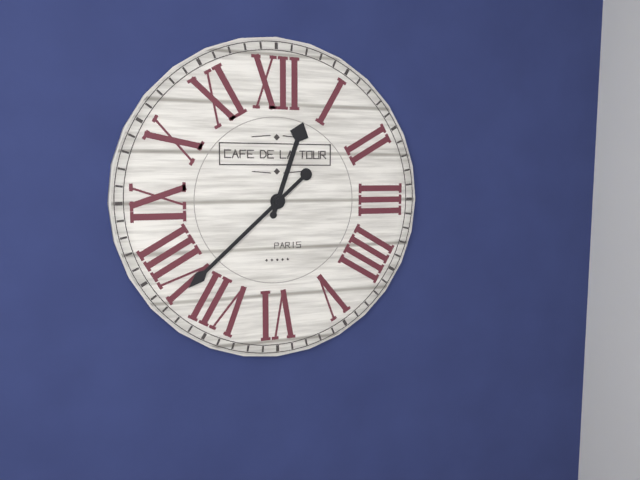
12:38
